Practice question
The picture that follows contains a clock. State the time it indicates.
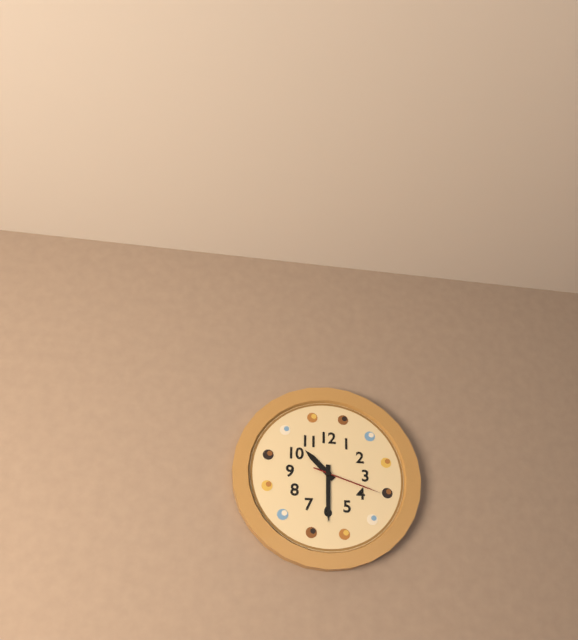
10:30:18
